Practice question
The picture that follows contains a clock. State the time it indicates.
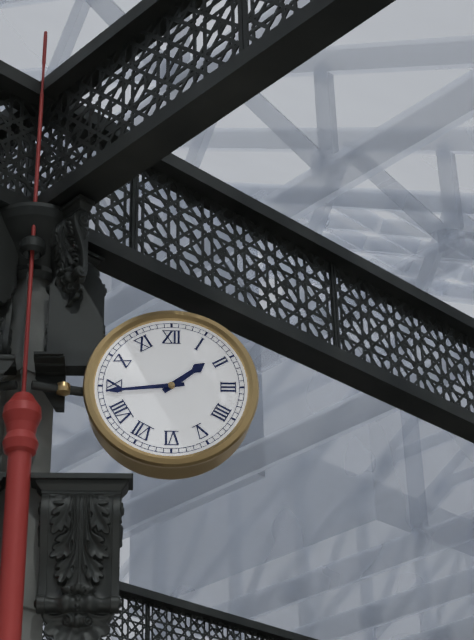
1:44
